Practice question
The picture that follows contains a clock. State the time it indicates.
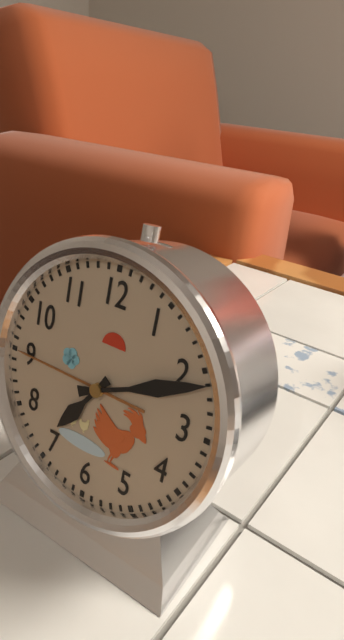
7:11
